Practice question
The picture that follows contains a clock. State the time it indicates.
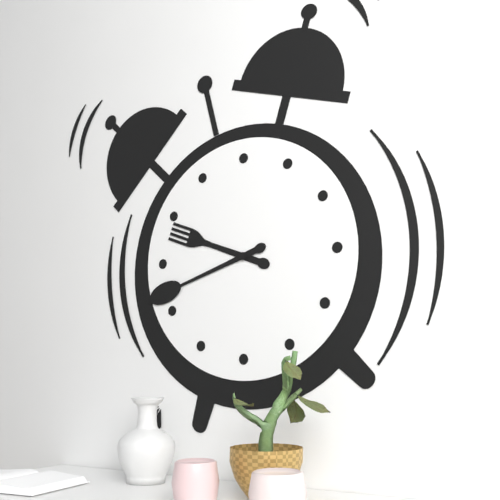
9:42
